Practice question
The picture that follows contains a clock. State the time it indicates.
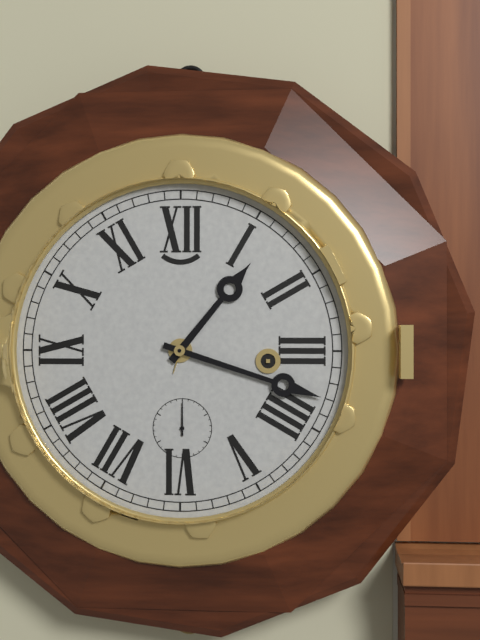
1:18
